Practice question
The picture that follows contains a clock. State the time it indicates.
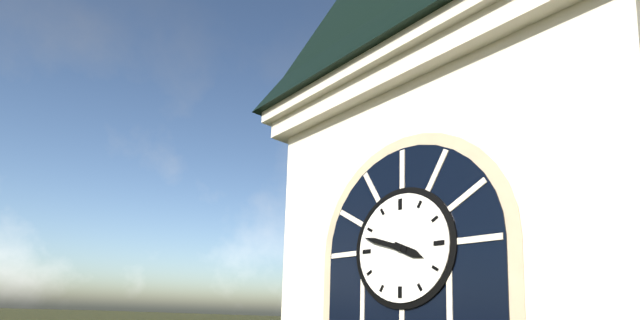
3:48
